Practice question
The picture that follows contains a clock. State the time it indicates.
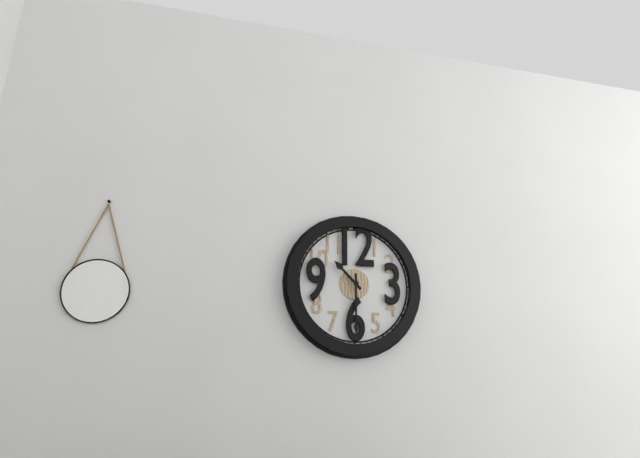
10:30
